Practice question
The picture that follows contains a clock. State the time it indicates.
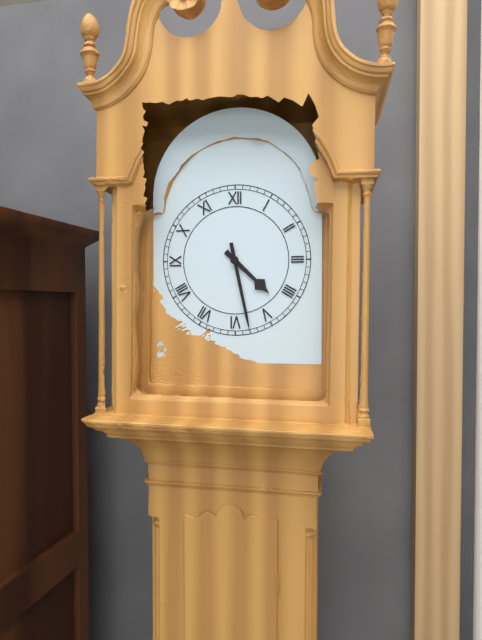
4:28
